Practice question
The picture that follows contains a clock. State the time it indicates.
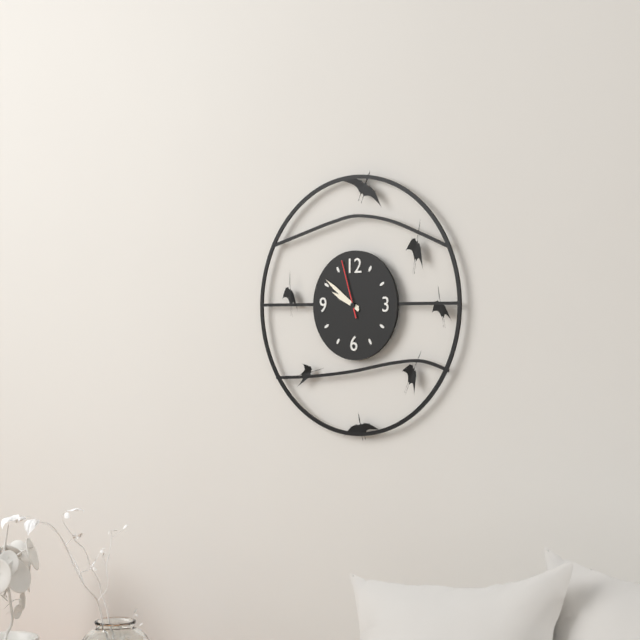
9:51:57
